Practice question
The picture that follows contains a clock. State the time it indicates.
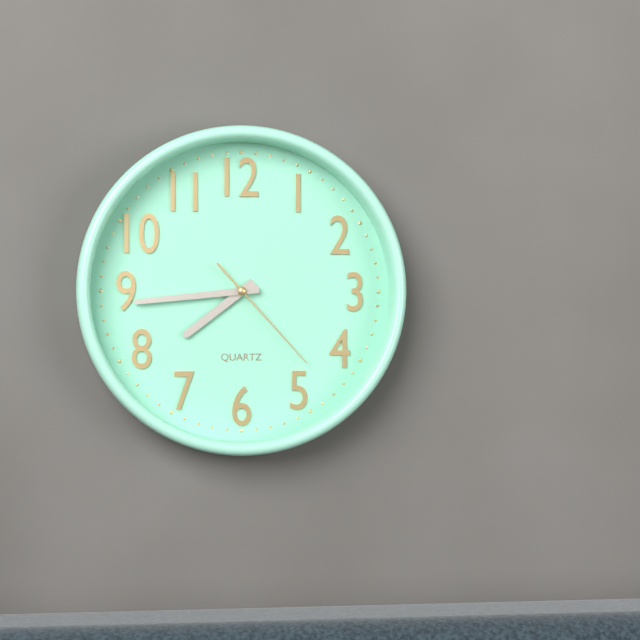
7:44:23
